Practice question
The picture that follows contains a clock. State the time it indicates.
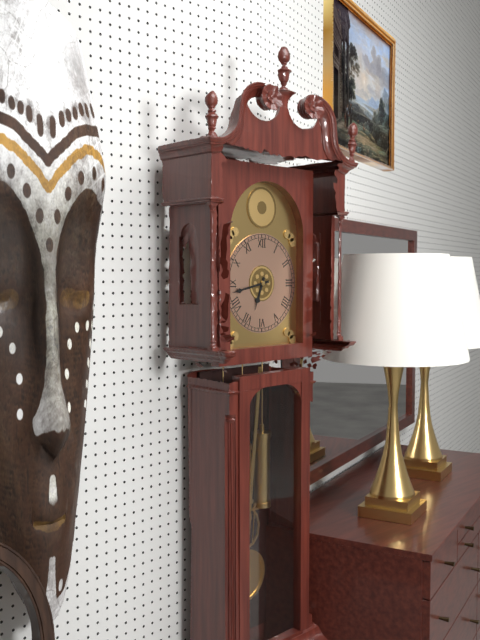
6:43
